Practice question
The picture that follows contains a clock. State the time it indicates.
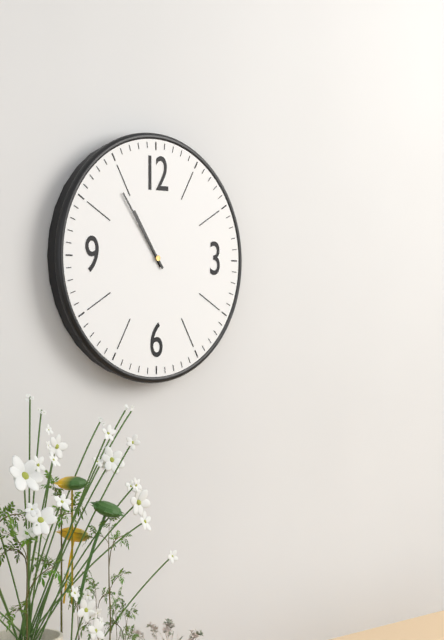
10:54
